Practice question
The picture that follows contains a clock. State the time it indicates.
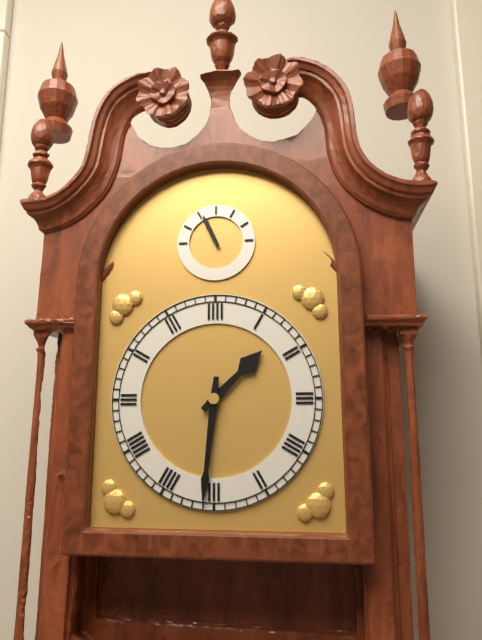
1:31
